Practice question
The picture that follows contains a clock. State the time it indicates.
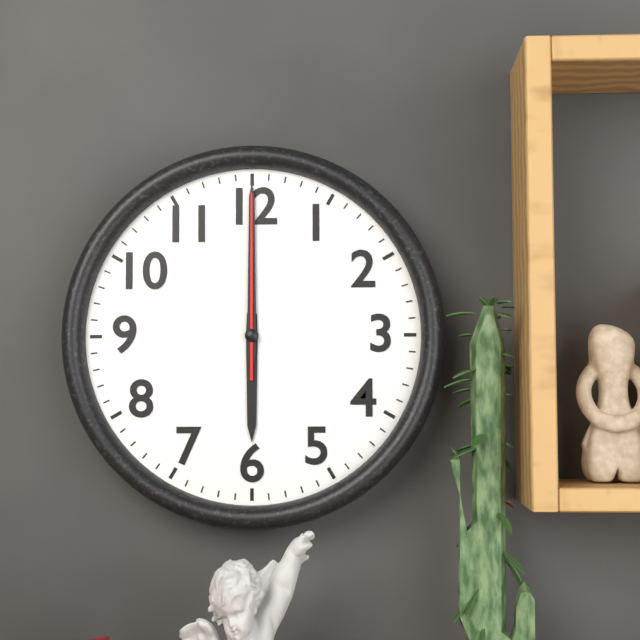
6:00:00
